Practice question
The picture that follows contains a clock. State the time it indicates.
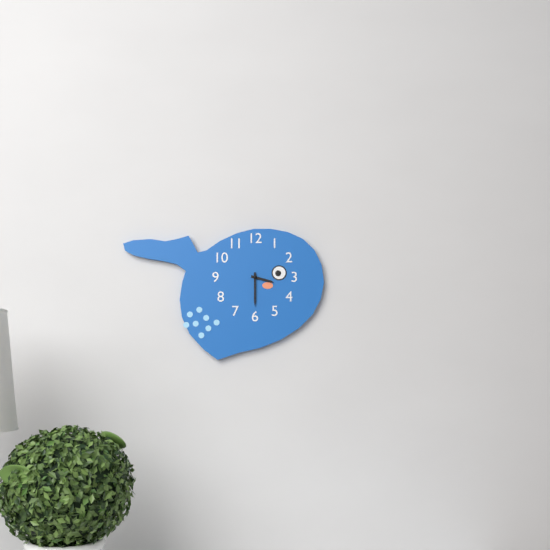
3:30
